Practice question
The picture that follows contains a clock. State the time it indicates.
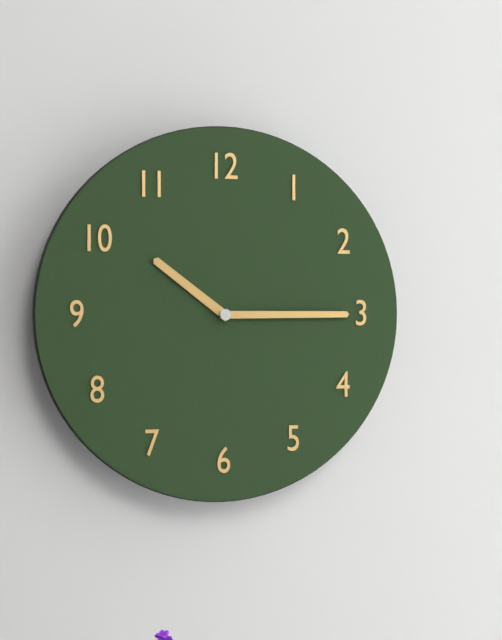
10:15
